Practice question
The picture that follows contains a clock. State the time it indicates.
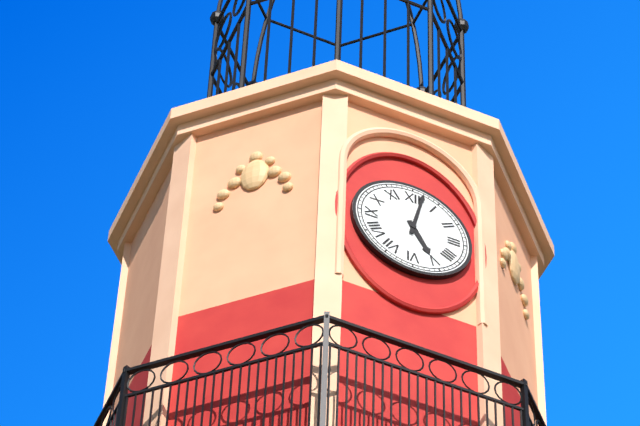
5:02
